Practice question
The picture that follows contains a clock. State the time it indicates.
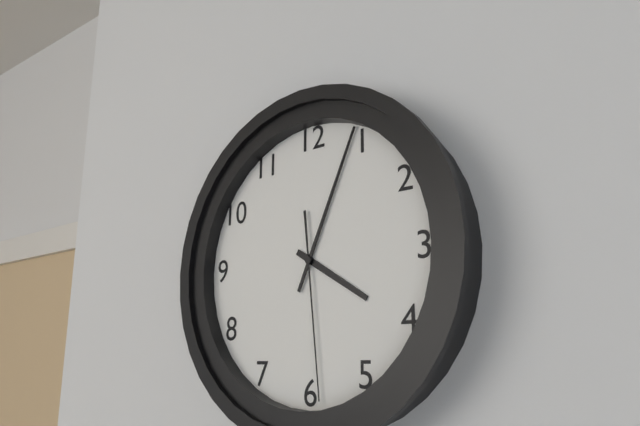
4:04:29
